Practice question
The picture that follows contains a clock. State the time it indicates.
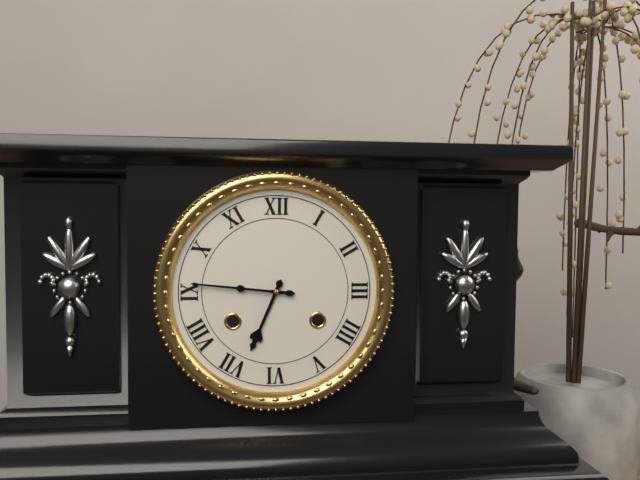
6:46
